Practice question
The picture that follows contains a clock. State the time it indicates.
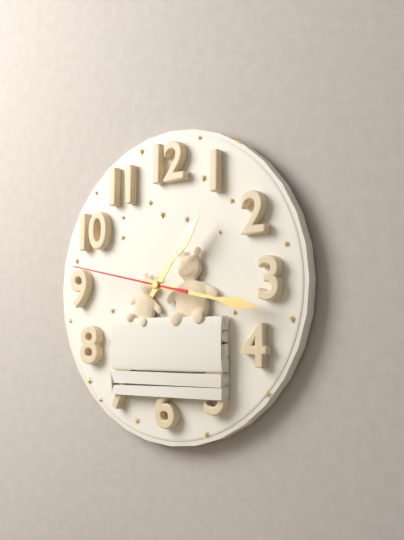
1:17:47
